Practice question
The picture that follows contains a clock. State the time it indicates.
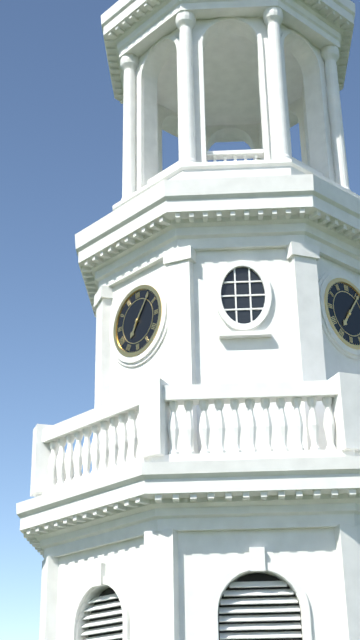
7:06
